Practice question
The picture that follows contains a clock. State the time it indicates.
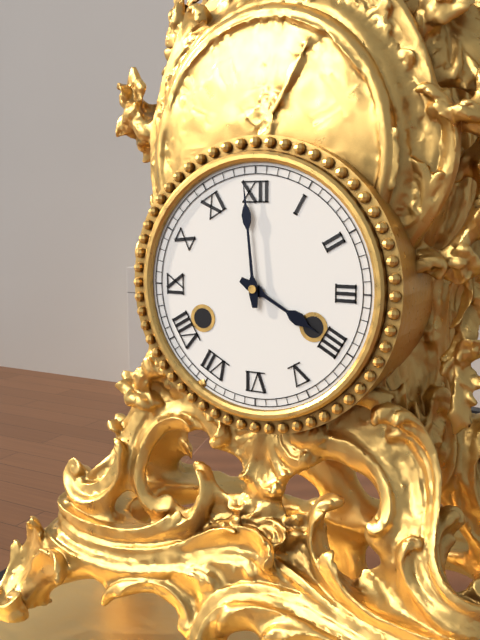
3:59
